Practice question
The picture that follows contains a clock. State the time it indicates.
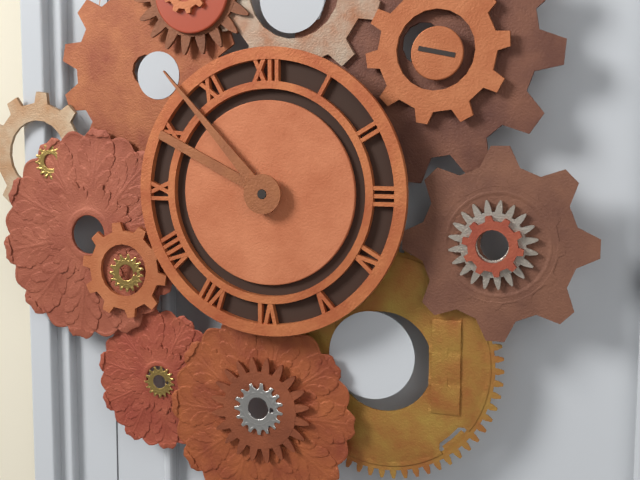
9:53
